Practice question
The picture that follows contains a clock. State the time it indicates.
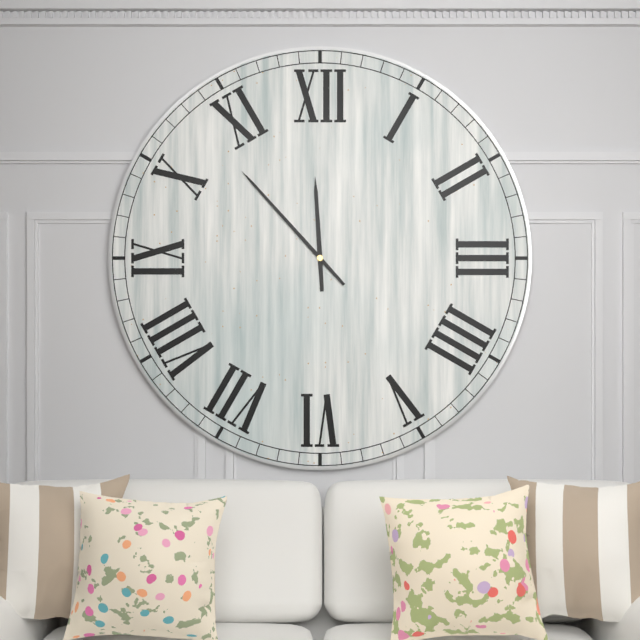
11:53
